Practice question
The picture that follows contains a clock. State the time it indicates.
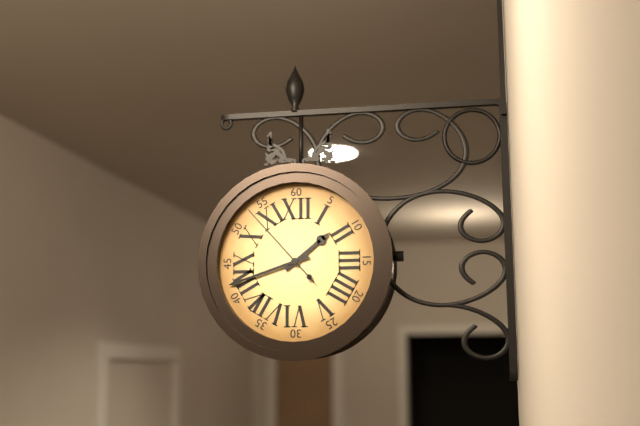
1:42:53
